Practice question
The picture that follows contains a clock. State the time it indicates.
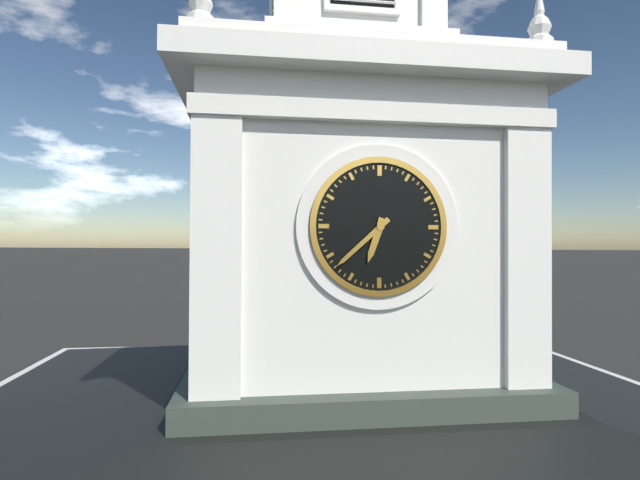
6:38
